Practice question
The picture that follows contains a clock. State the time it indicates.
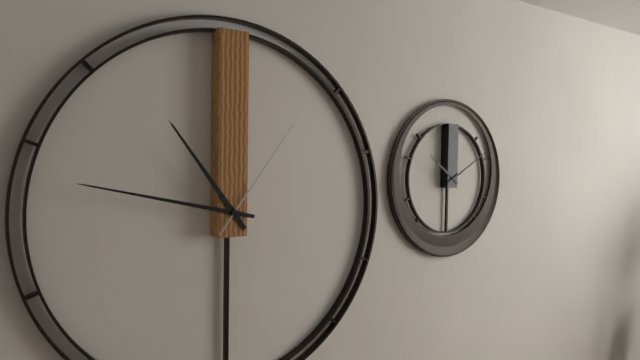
10:47:06
